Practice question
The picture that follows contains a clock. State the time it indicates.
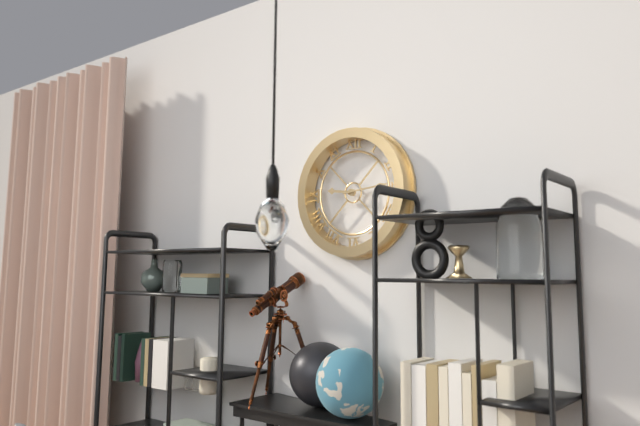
9:14
